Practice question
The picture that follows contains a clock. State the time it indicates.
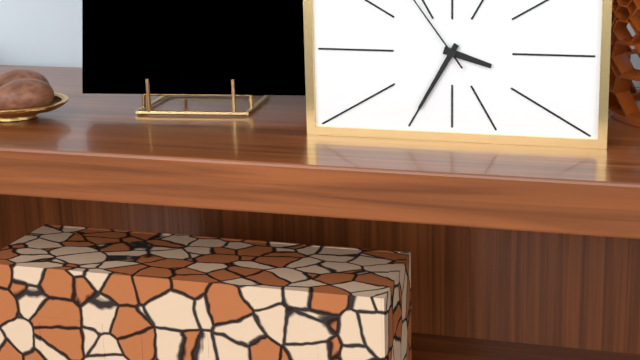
3:35
